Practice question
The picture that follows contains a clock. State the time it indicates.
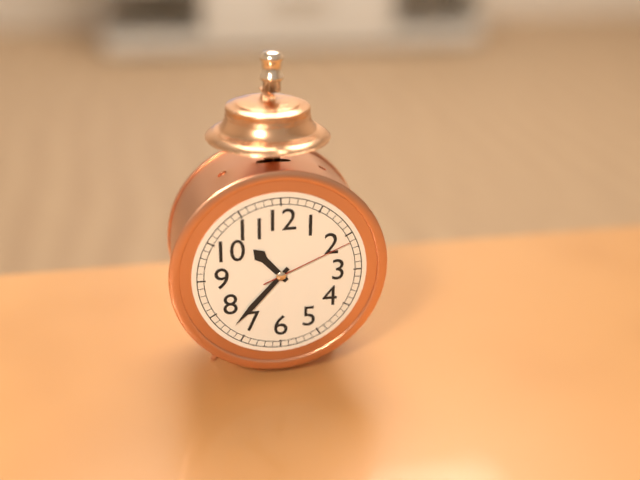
10:37:11
